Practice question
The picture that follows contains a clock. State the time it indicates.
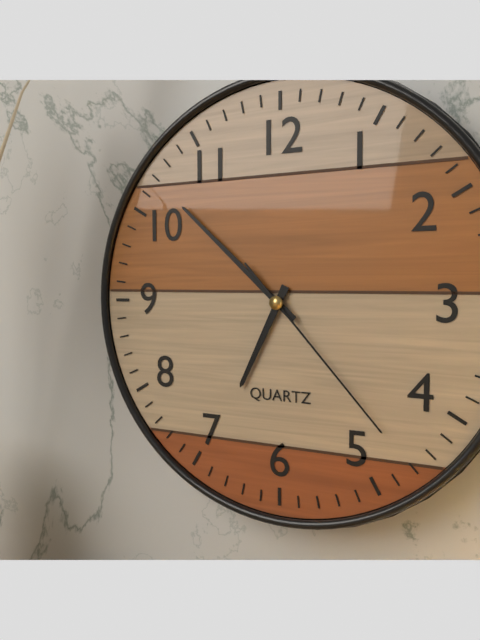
6:52:23
